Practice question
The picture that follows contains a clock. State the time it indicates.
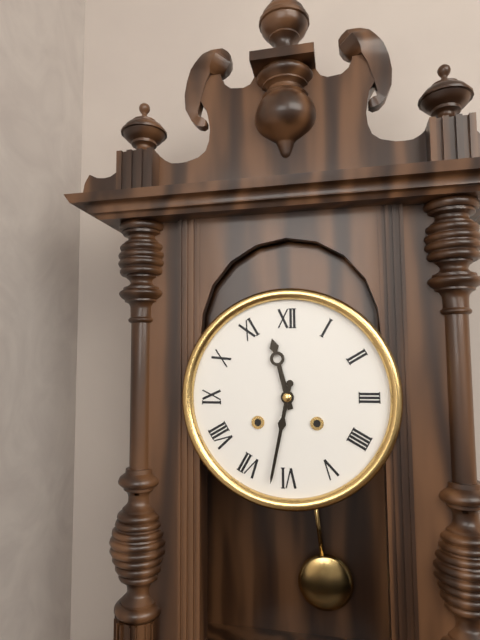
11:32
